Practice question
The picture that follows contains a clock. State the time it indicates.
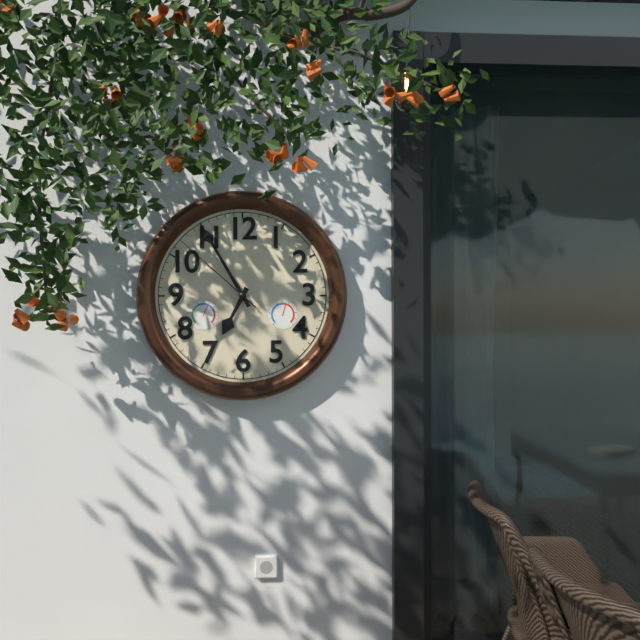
6:55:52
